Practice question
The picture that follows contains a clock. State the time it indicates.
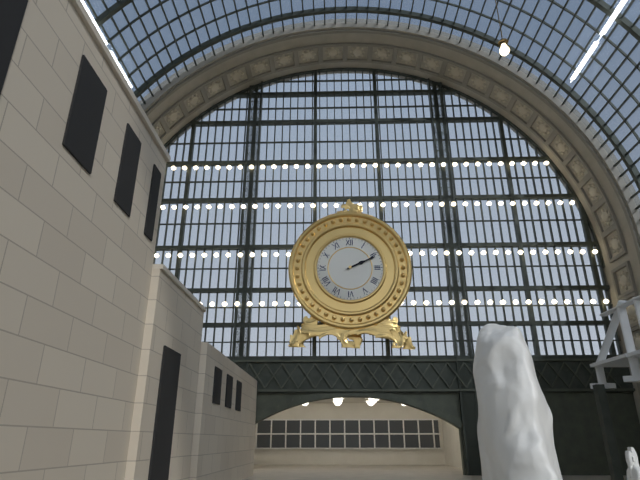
2:11
